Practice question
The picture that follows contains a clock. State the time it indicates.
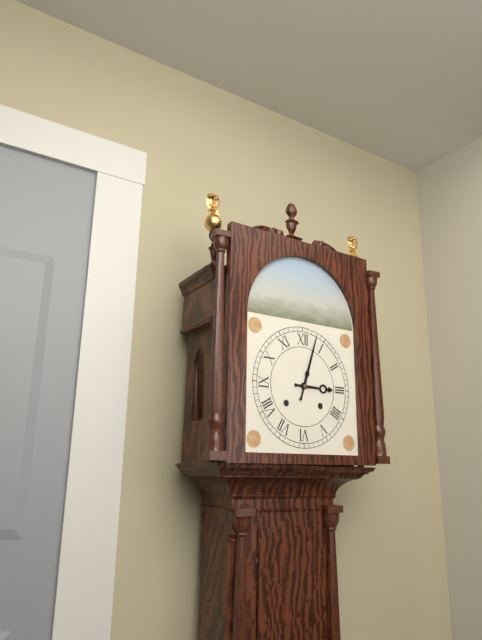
3:03
